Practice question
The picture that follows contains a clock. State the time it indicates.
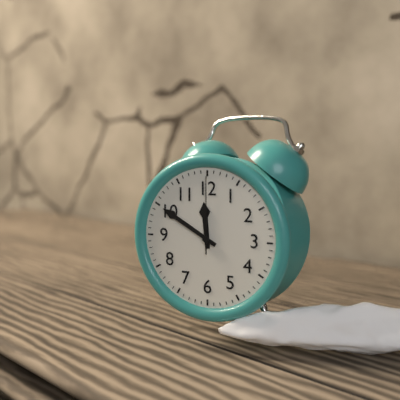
11:50:00
